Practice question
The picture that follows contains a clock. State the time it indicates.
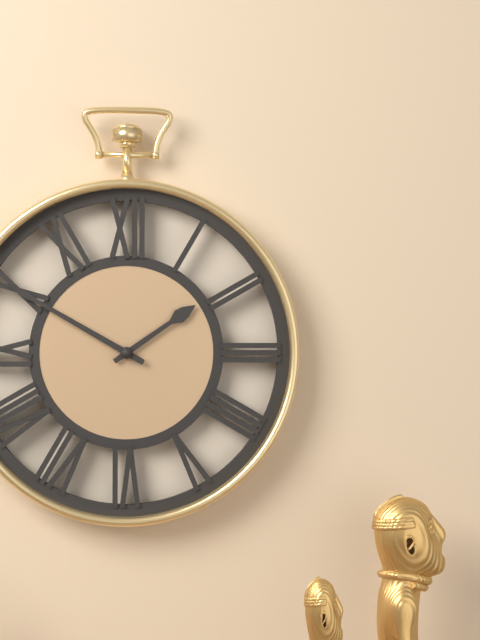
1:50
